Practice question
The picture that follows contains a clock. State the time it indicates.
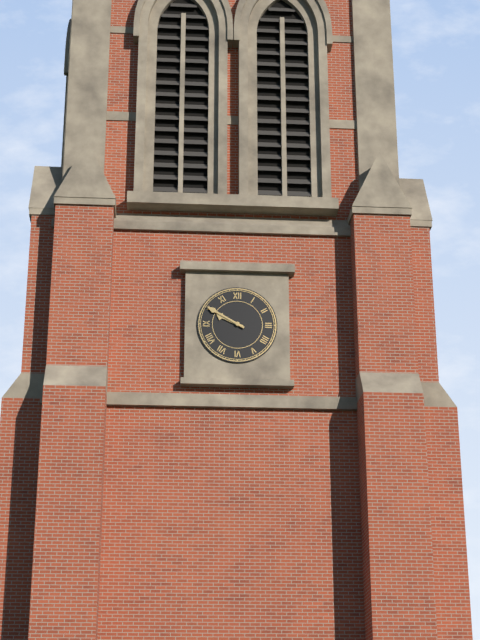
9:50
